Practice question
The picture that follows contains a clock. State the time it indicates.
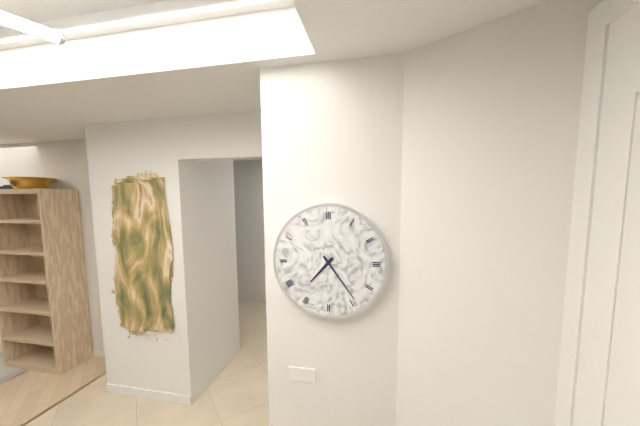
7:24
